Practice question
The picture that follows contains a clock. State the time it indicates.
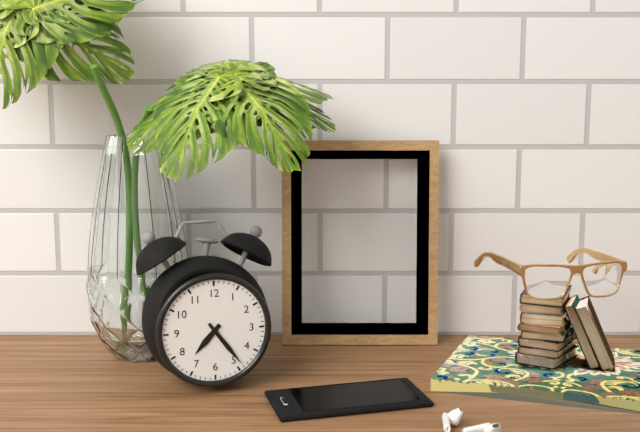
7:24
